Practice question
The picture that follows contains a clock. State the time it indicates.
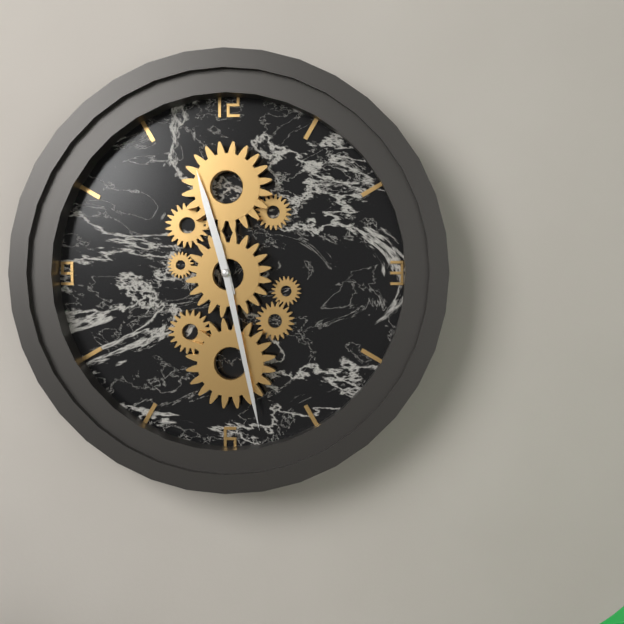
11:28
